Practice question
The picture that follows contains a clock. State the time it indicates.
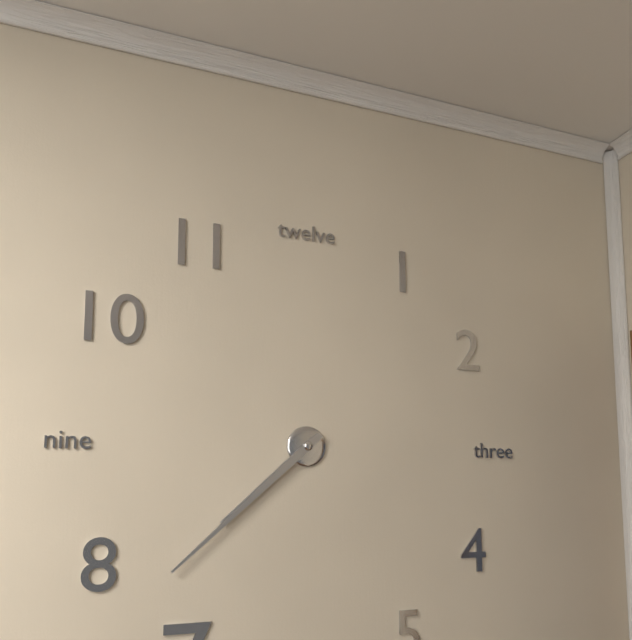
7:38
